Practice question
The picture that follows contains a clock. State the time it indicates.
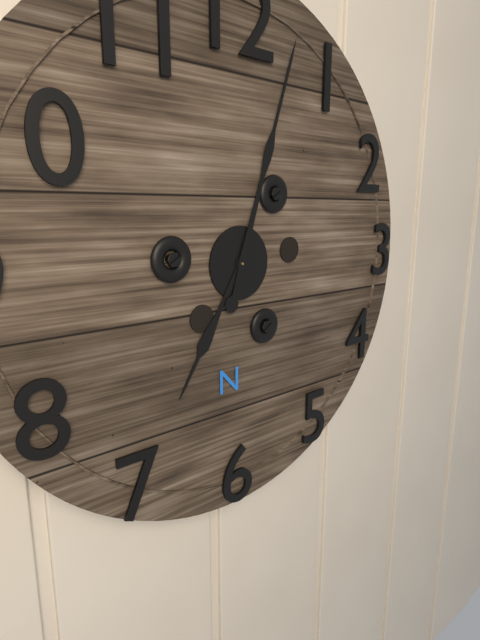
7:03
